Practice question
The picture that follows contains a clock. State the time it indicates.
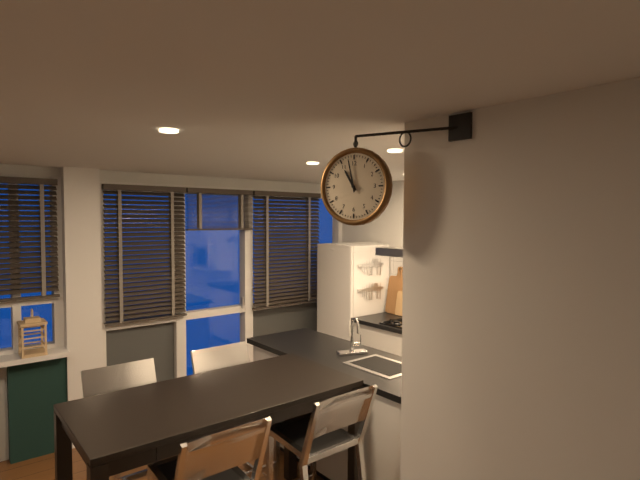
10:58
